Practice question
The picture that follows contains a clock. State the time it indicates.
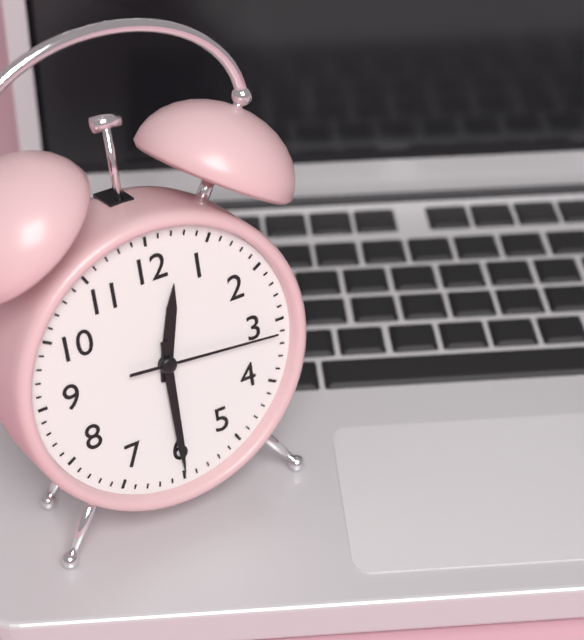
12:30:16
